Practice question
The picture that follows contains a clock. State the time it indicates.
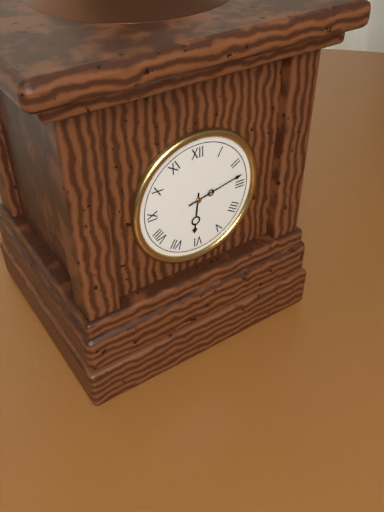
6:13
